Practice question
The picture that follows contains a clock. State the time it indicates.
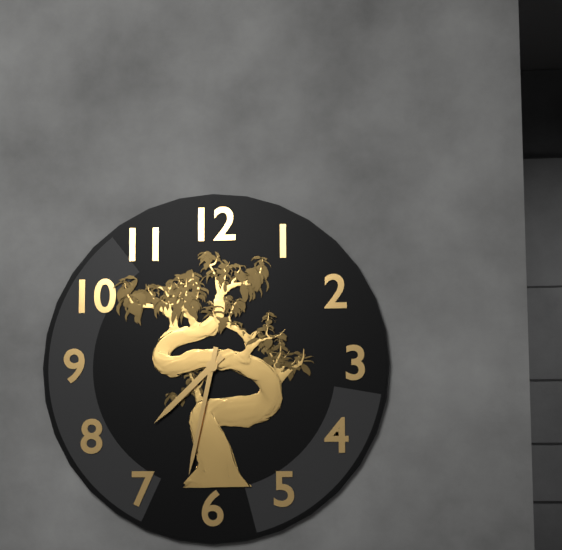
7:32
